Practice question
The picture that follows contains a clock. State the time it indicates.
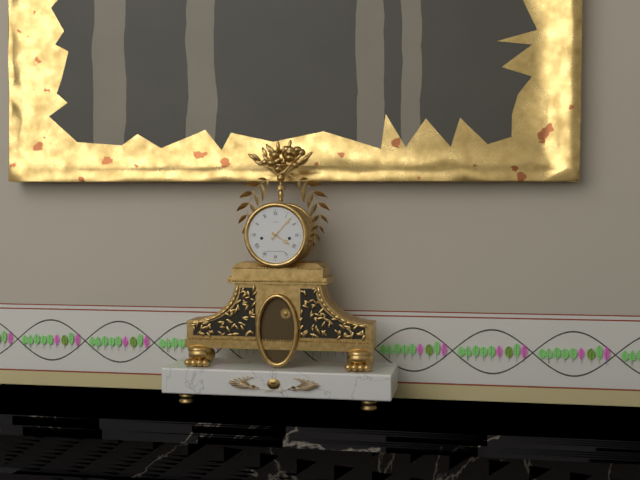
4:07
